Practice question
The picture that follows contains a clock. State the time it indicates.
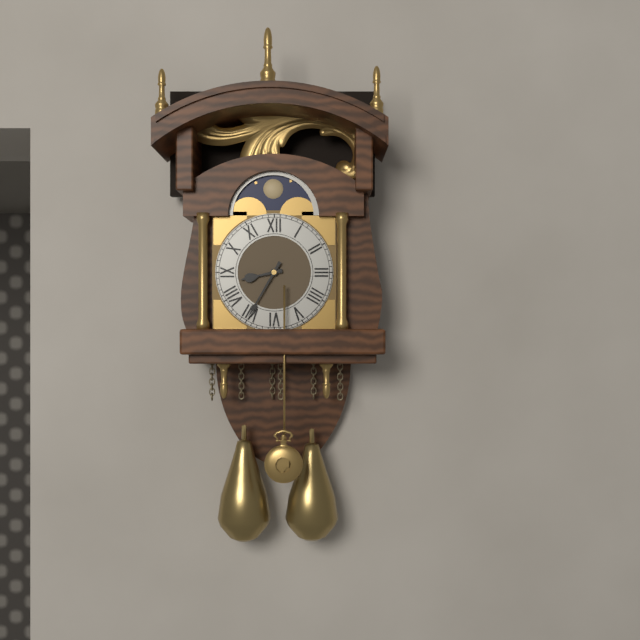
8:35
